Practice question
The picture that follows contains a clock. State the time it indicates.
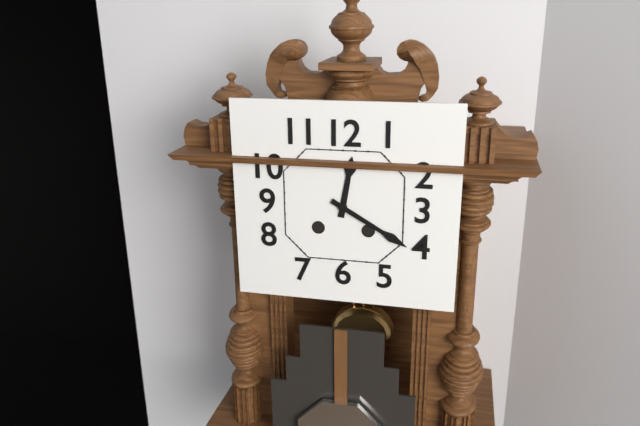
12:20
